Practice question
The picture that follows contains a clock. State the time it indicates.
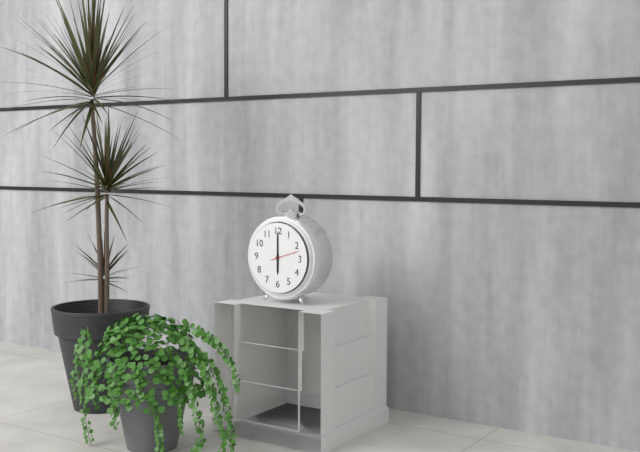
6:00
